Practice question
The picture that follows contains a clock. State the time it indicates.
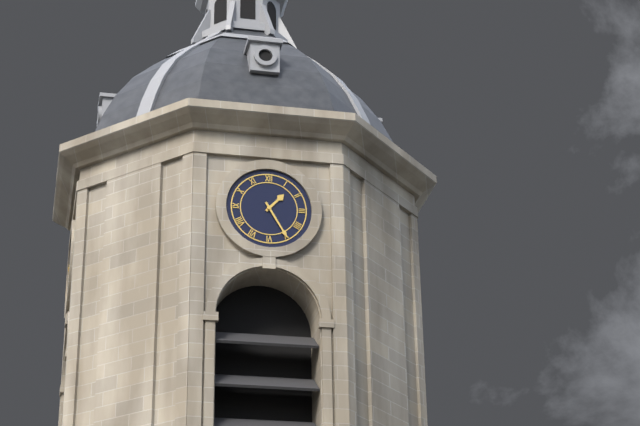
1:25
